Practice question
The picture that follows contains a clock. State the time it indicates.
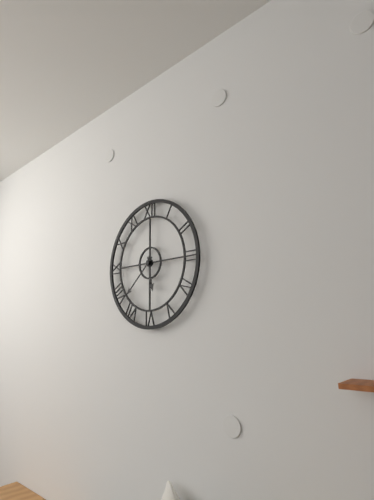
5:38
